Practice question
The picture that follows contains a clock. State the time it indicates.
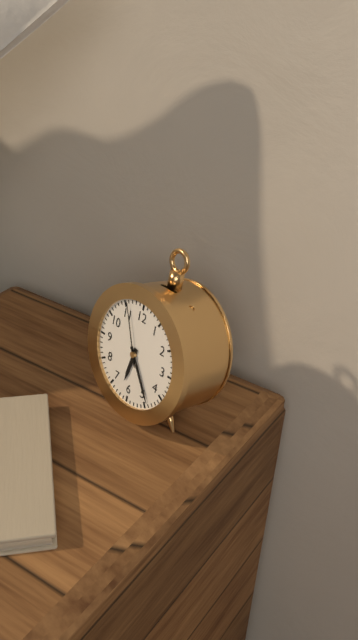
6:24:56
